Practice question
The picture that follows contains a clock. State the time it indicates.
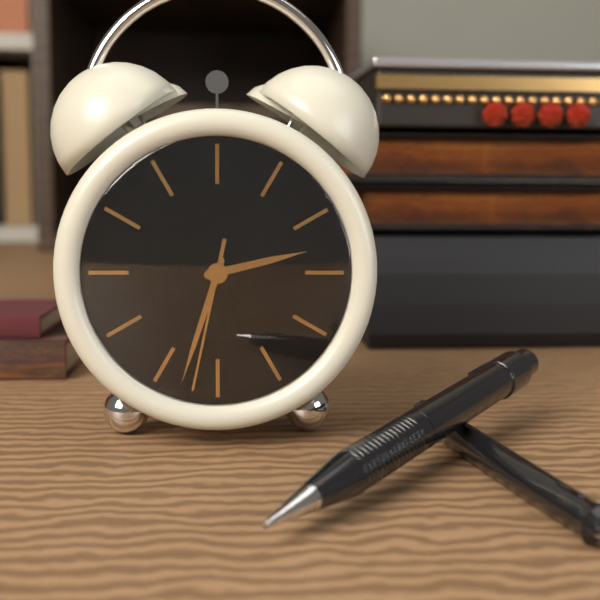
2:33:32
